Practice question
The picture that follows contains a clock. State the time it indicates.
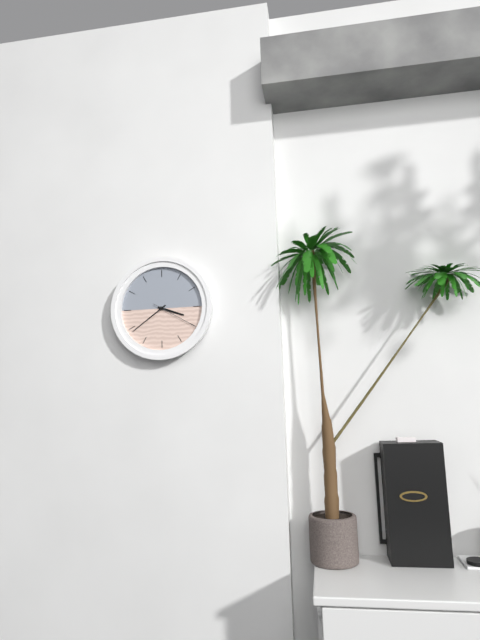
3:39
